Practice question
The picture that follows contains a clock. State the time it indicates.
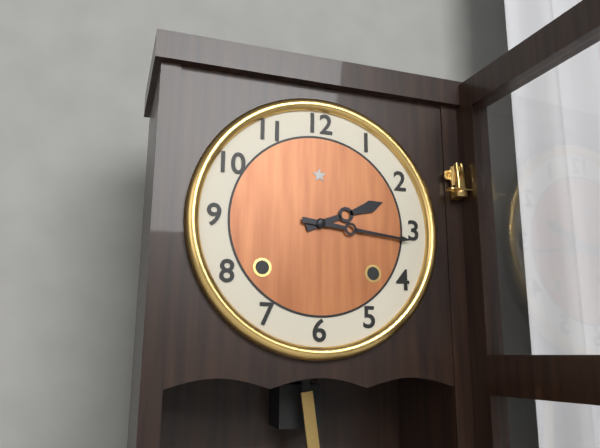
2:16
